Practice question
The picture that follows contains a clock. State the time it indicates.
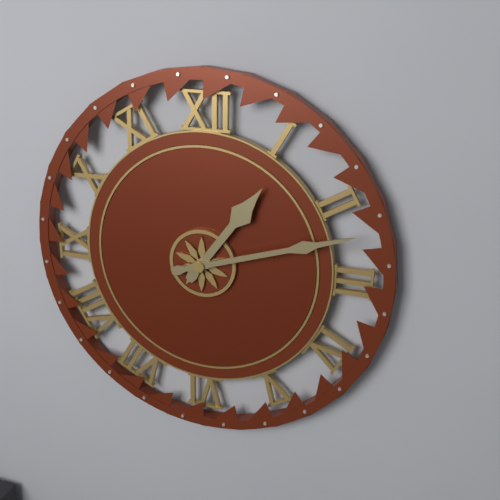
1:12
